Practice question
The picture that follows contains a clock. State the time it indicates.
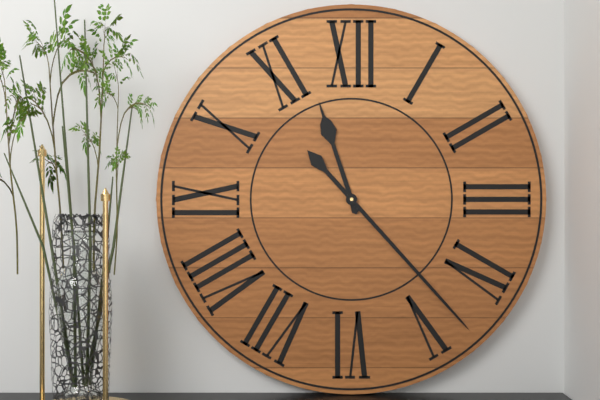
11:23
